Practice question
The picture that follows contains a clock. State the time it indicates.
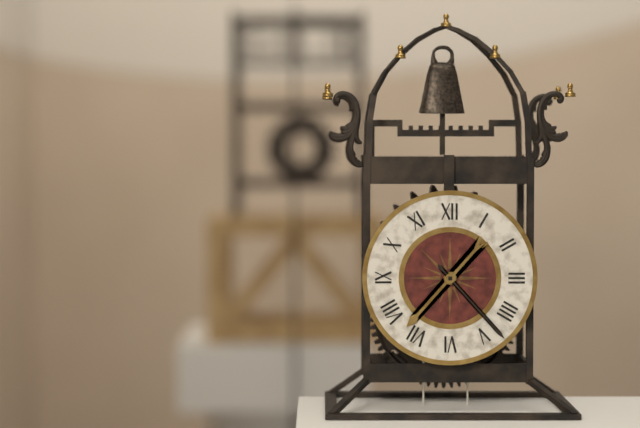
7:23
